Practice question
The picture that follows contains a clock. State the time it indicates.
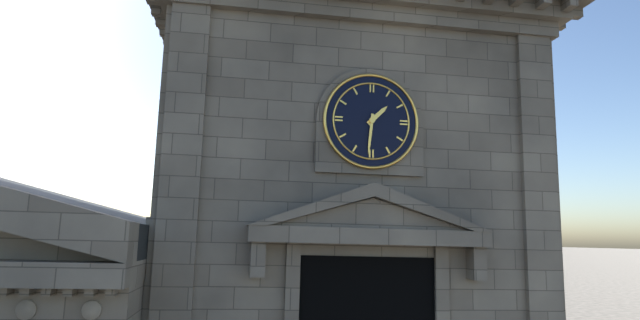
1:31
